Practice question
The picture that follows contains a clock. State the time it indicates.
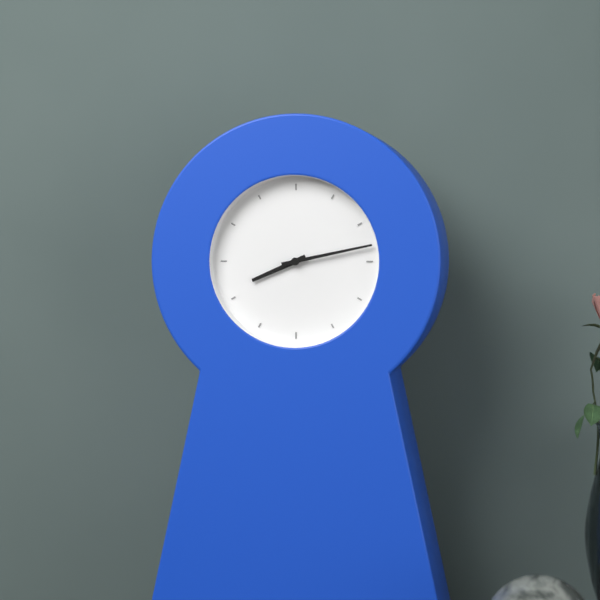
8:13
